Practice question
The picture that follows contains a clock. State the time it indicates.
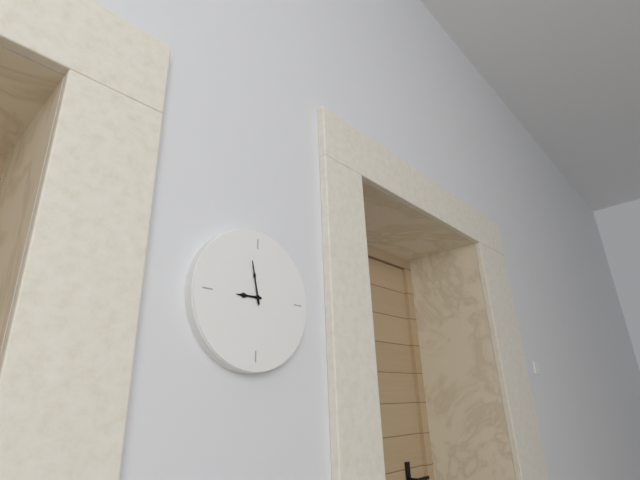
8:58
